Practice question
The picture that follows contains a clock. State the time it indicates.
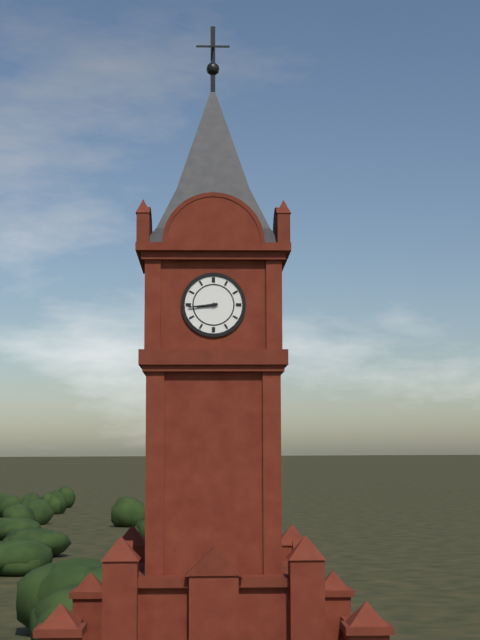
8:44
